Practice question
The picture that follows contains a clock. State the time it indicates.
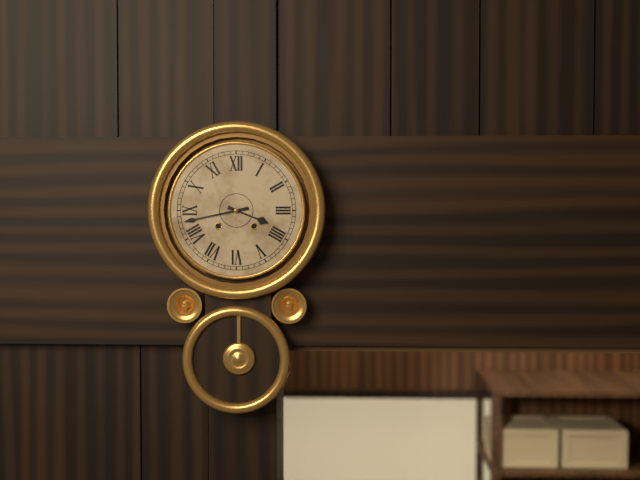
3:43
